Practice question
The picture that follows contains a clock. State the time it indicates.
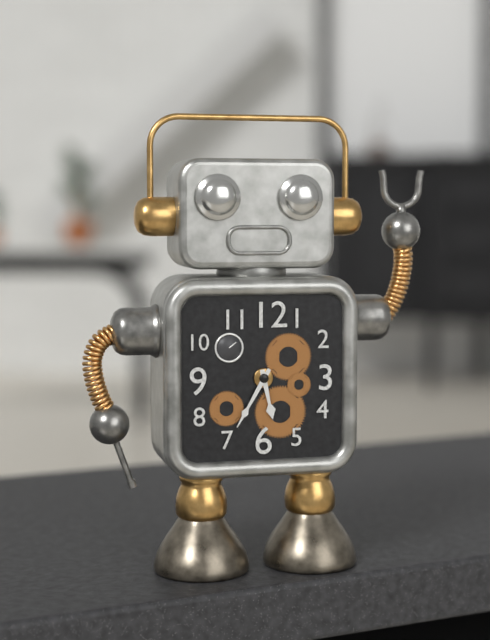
5:35
